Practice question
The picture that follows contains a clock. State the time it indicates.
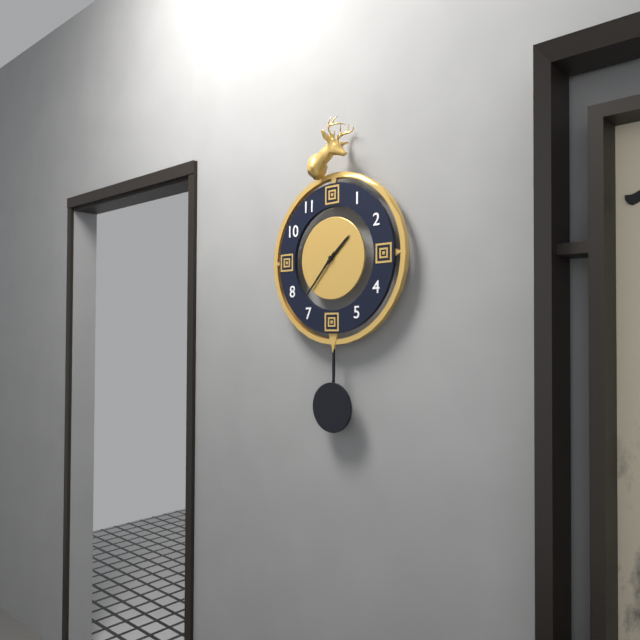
1:37
